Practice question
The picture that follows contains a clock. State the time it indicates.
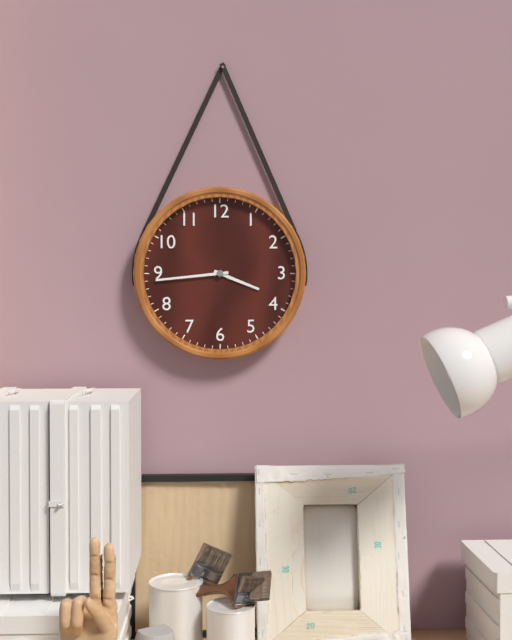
3:44
